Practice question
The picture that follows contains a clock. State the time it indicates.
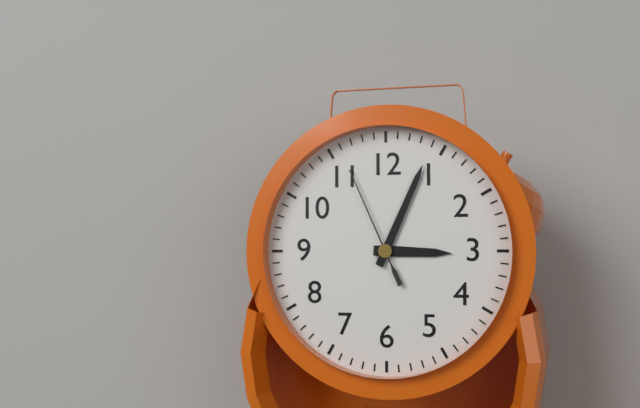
3:04:56
